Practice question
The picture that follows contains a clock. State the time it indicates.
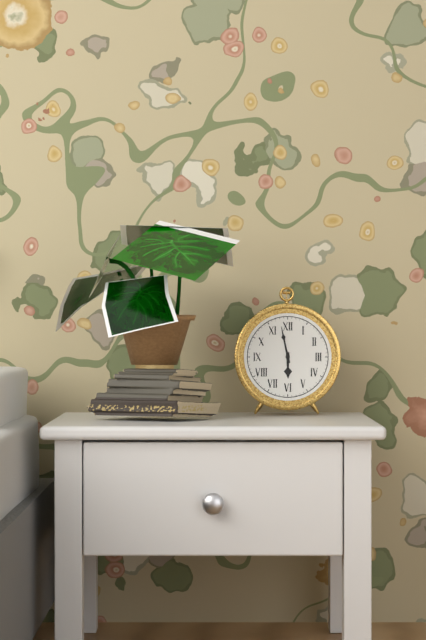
5:58
